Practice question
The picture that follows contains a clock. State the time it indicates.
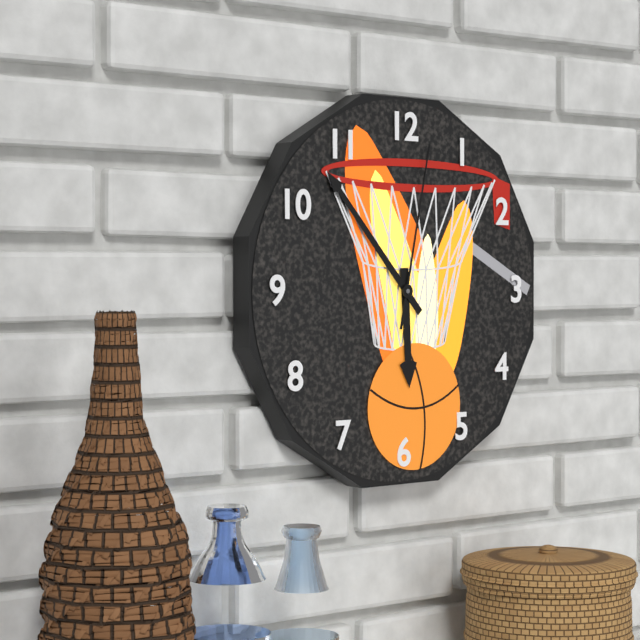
5:53:02
